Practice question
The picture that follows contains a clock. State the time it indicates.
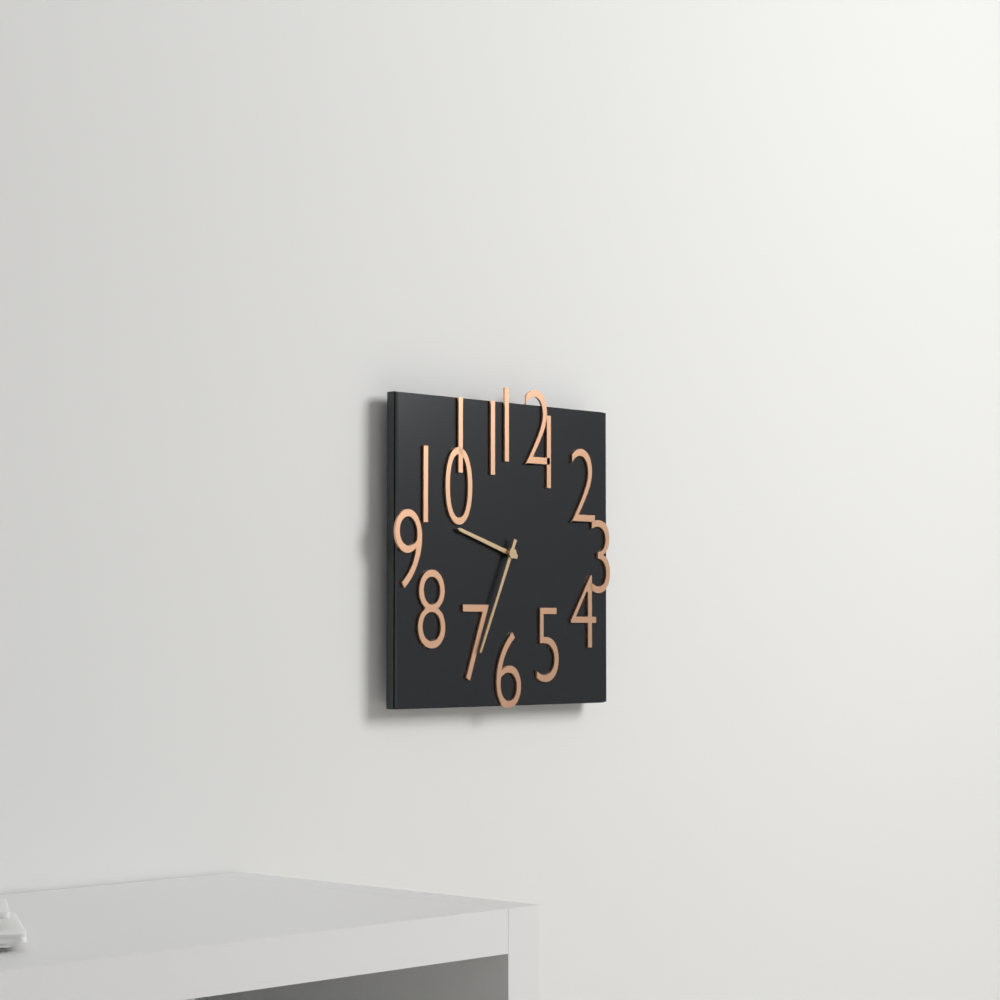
9:34
